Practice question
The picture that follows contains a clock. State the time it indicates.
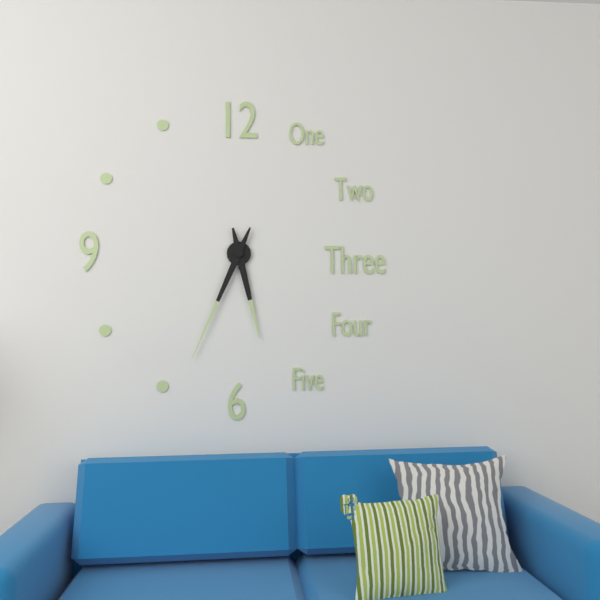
5:34
